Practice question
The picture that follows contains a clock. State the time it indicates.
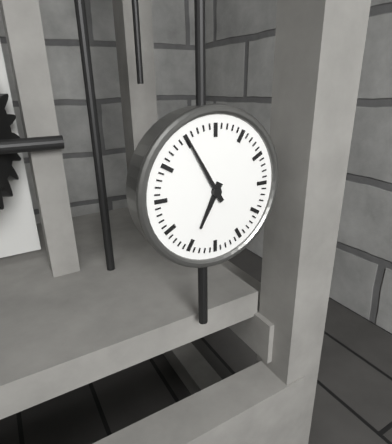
6:55
